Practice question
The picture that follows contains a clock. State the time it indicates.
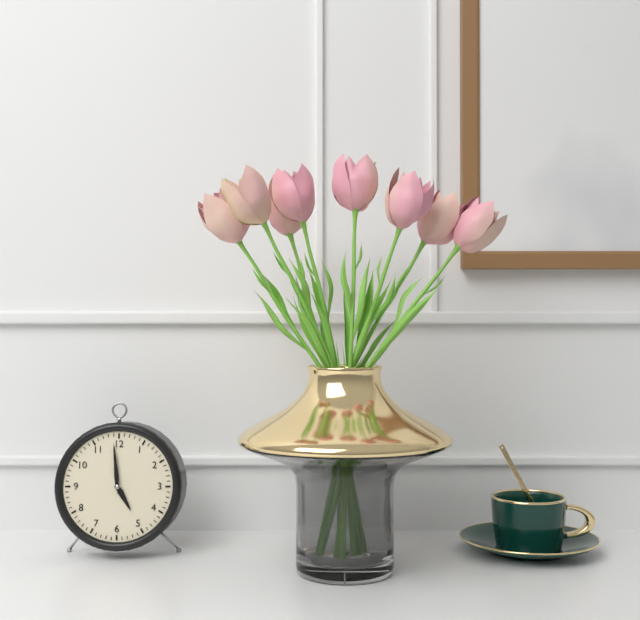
4:59
